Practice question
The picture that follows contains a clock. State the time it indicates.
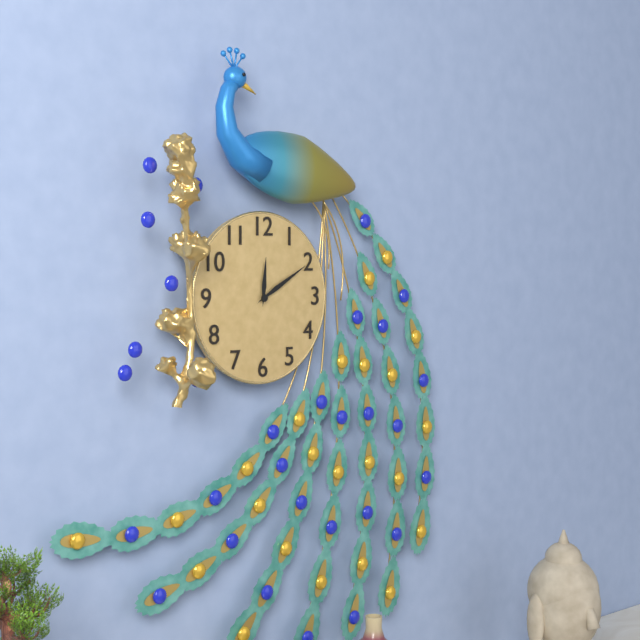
12:10
